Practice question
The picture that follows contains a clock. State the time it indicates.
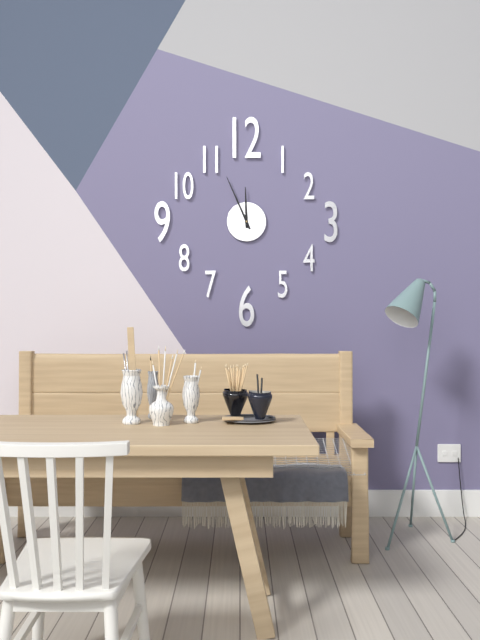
11:56
